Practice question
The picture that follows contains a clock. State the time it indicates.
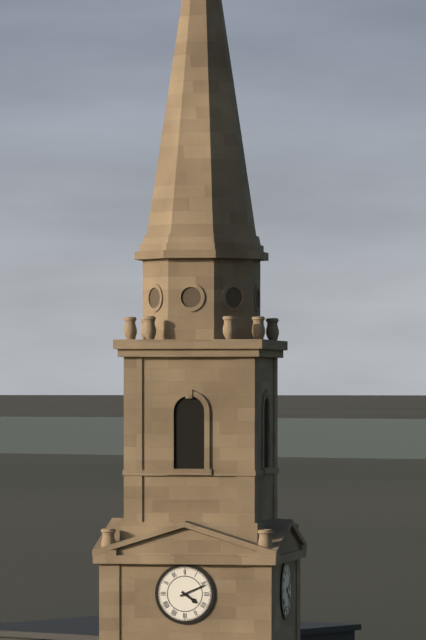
4:11
